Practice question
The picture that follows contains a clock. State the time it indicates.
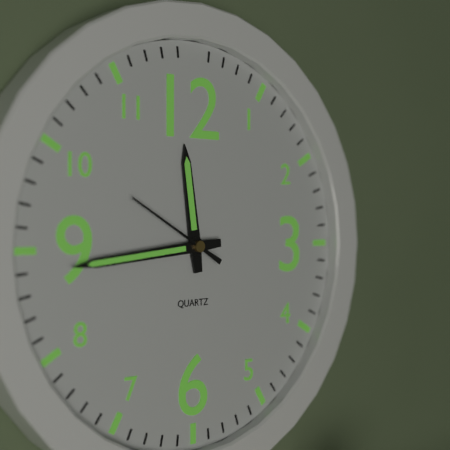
11:44:50
